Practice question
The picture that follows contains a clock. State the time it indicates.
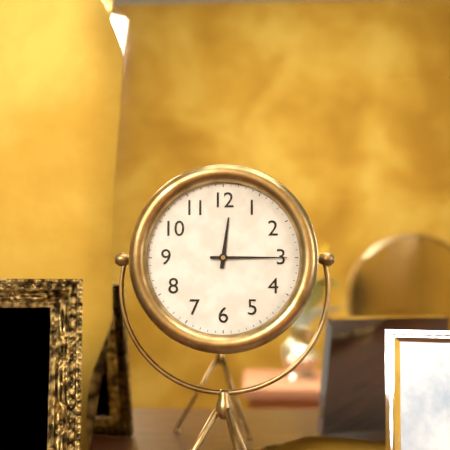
12:15
